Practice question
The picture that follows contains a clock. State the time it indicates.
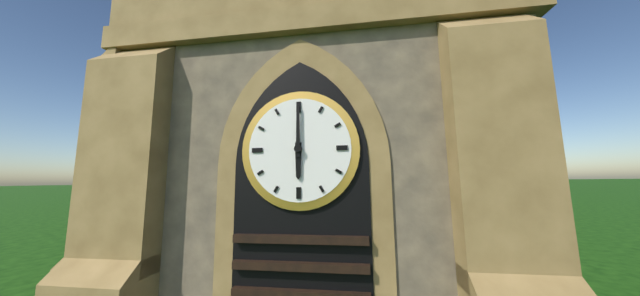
6:00
